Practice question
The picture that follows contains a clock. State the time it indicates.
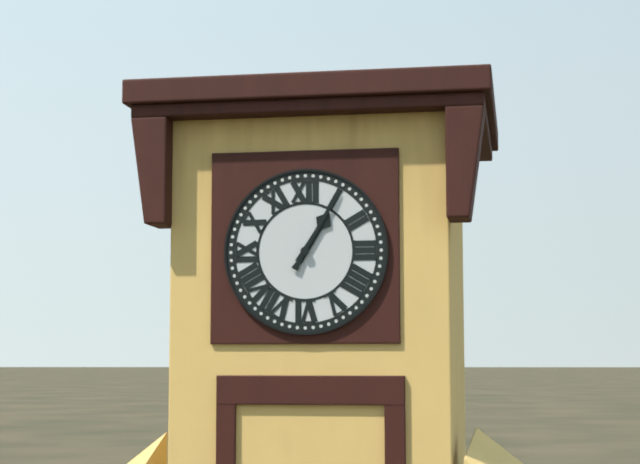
1:05
